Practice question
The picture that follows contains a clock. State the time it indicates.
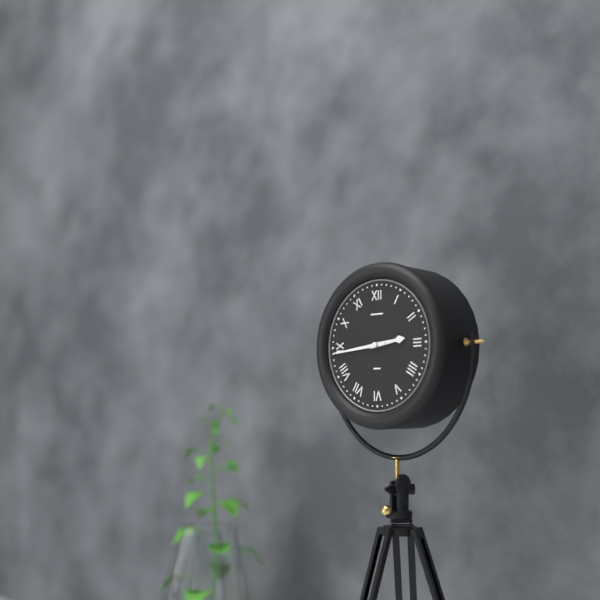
2:44
